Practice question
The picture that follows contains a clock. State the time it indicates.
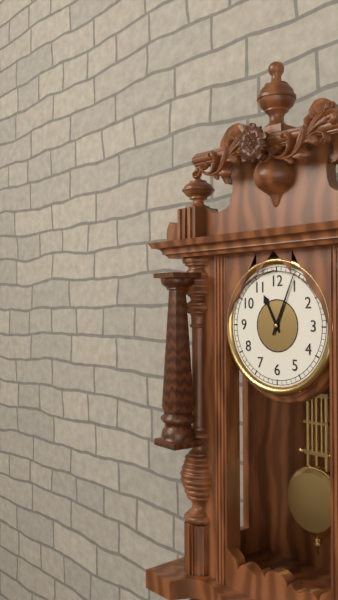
11:04
